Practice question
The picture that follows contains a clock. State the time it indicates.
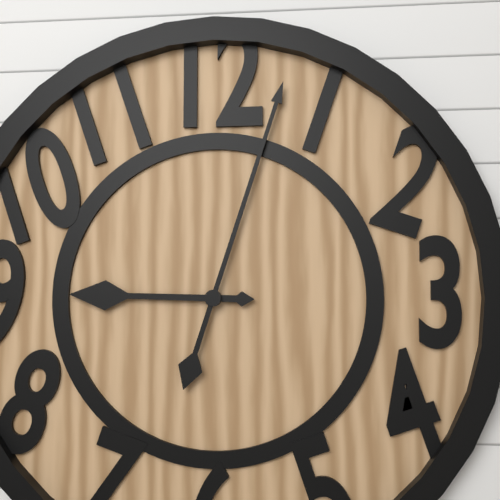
9:03
